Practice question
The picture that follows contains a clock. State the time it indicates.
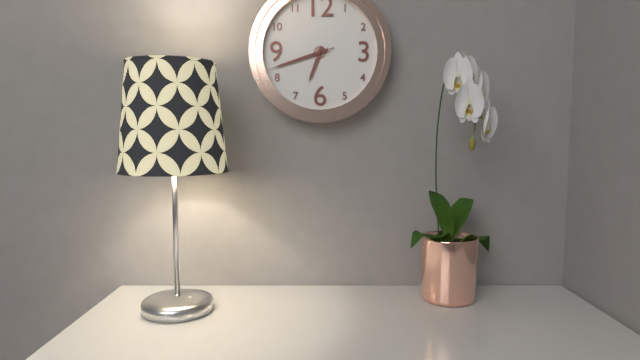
6:42:42
